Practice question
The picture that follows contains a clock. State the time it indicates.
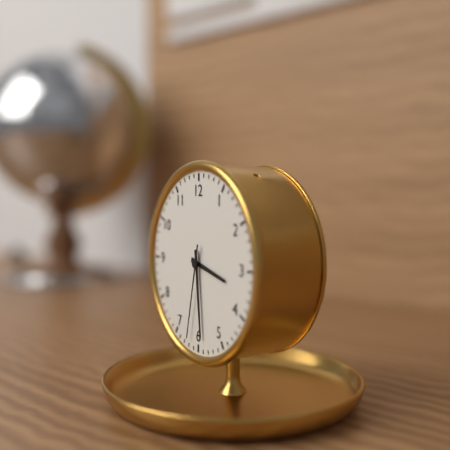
3:29:32
